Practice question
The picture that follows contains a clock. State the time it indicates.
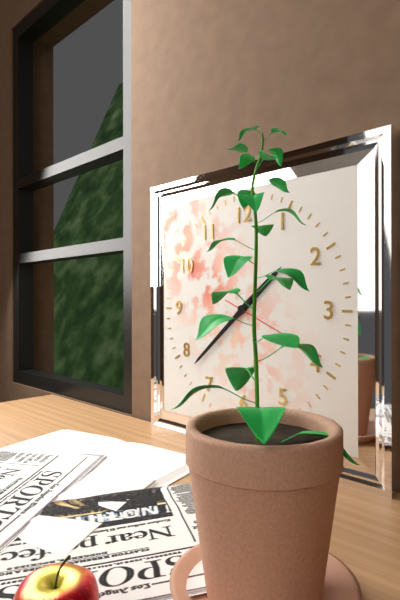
1:38
